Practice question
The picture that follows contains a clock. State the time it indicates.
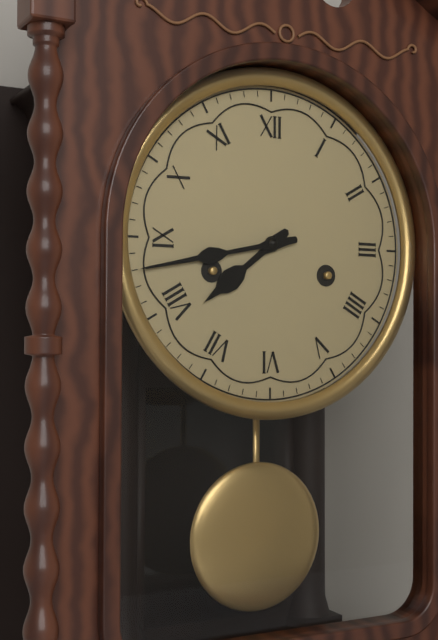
7:43
